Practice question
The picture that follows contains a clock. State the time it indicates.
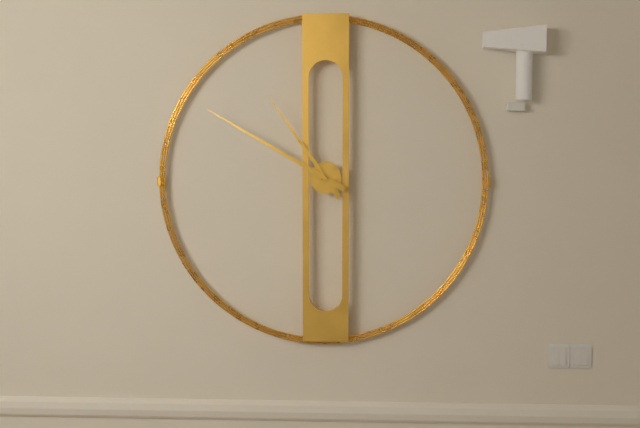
10:50
